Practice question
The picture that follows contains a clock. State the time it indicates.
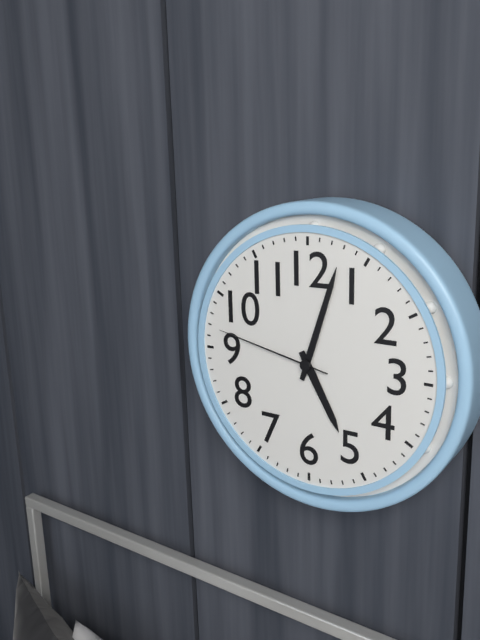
5:03:47
